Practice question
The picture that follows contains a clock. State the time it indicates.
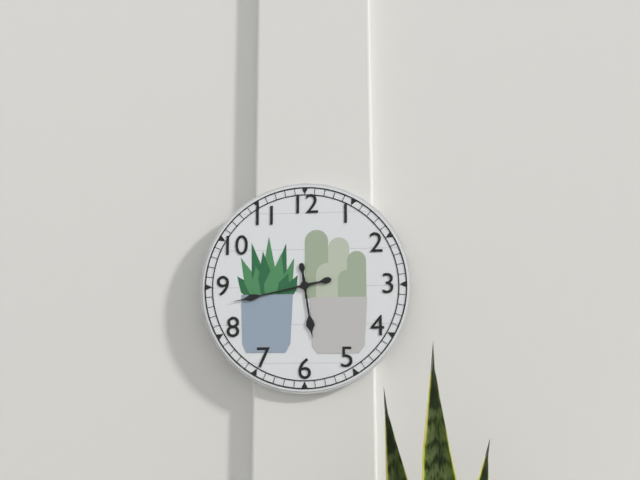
5:43
